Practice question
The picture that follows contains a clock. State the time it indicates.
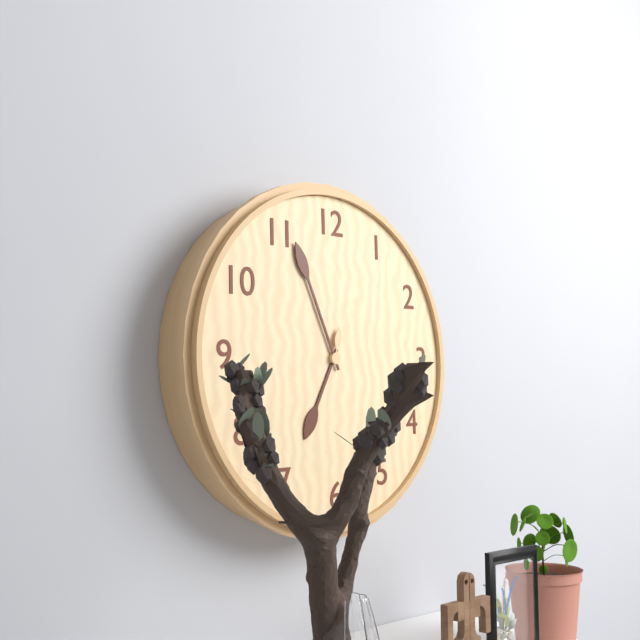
6:56:02
